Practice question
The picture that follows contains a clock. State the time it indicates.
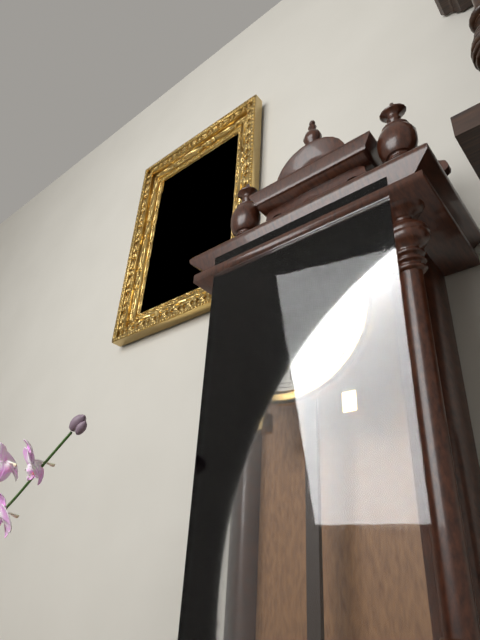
1:42
